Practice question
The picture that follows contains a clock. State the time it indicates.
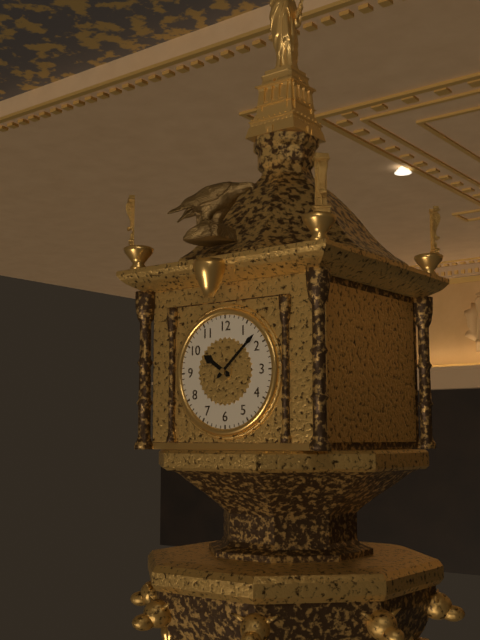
10:08
